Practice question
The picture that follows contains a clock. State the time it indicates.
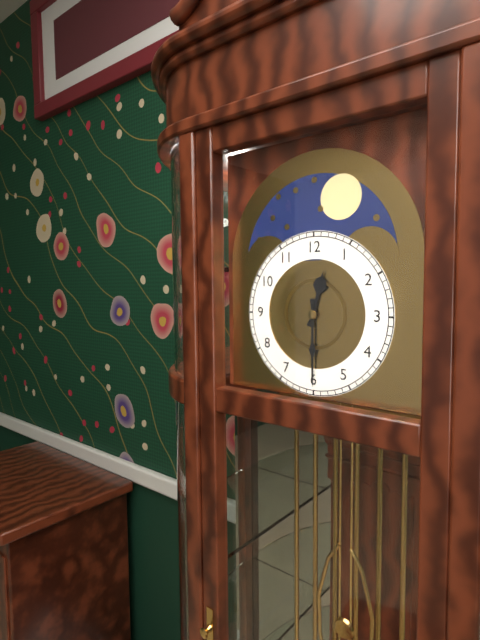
12:30
